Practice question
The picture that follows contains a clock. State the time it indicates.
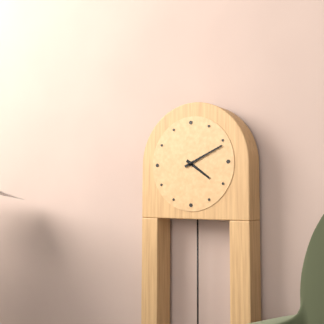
4:11
